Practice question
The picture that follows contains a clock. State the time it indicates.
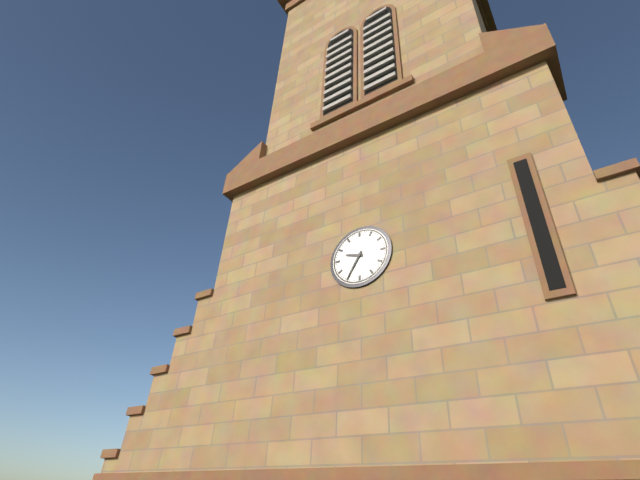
9:35
